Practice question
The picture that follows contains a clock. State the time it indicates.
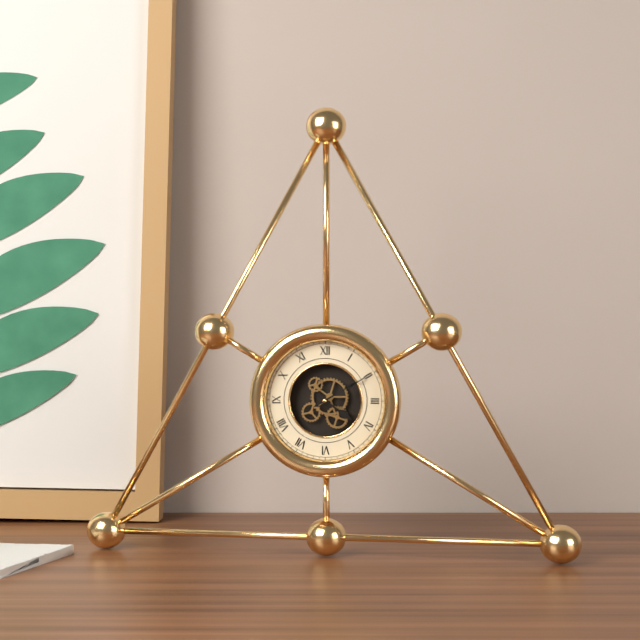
4:10
